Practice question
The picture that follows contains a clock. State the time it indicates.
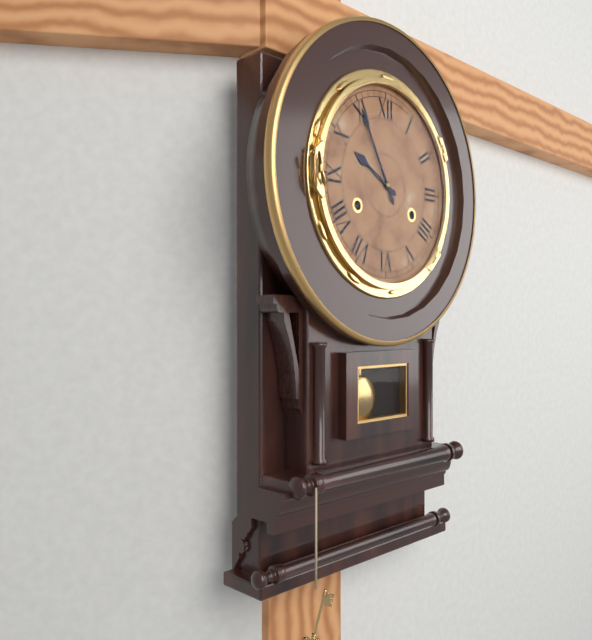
9:55
